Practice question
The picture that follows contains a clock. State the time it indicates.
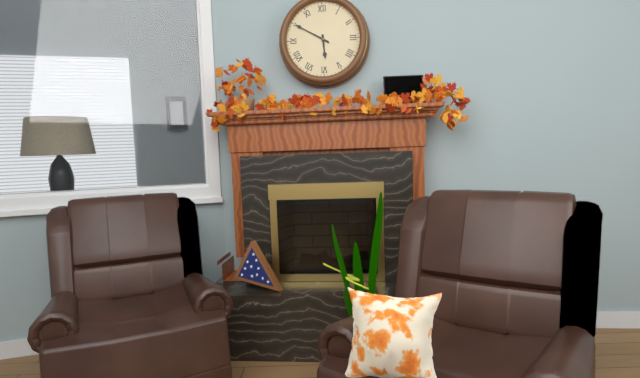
5:50
